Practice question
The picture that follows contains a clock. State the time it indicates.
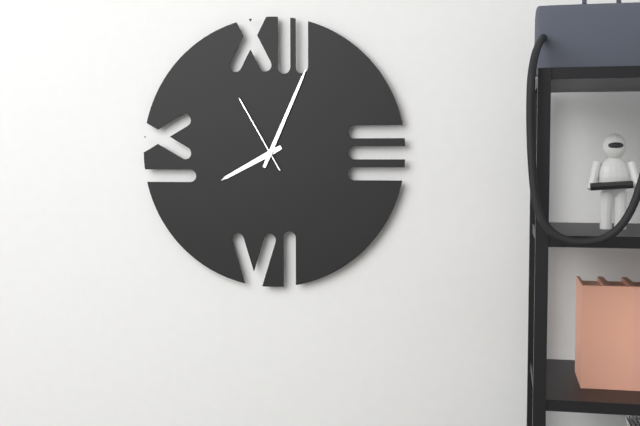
8:04:55
